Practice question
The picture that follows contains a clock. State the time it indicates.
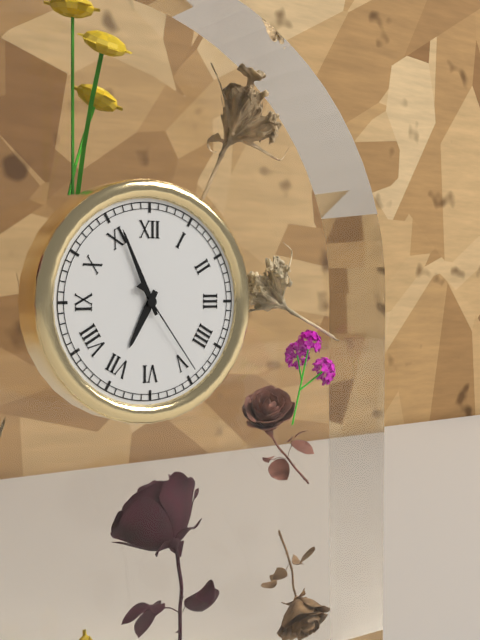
6:56:24
